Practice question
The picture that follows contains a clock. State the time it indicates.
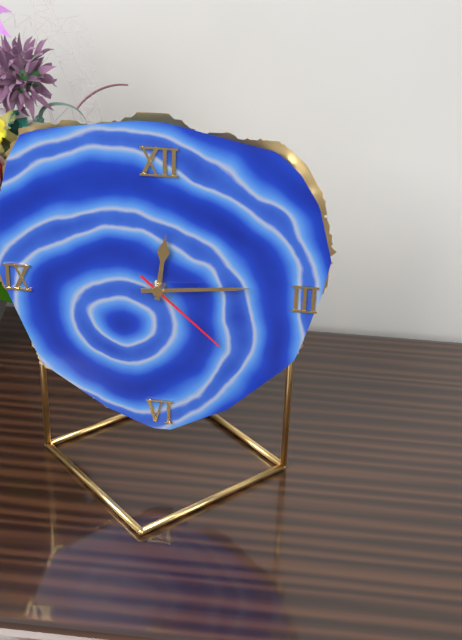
12:14:22
